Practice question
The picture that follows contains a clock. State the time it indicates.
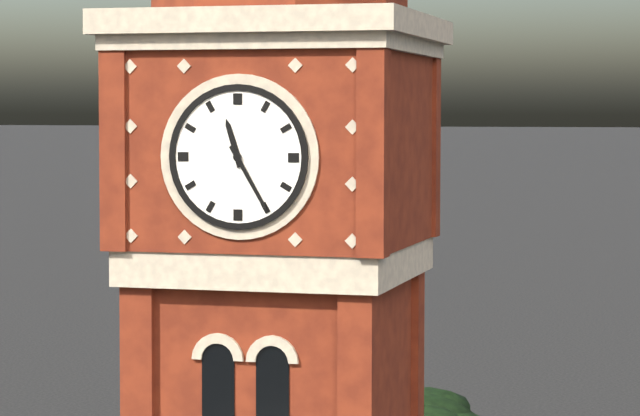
11:25
